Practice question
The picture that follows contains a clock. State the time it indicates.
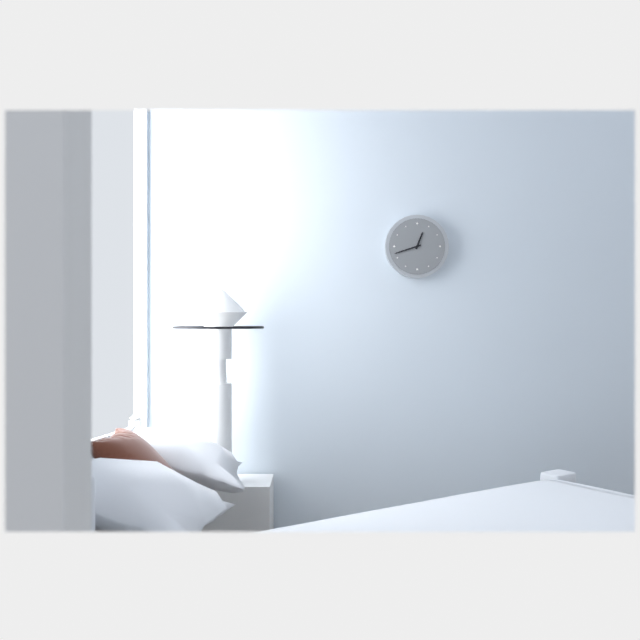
12:42
